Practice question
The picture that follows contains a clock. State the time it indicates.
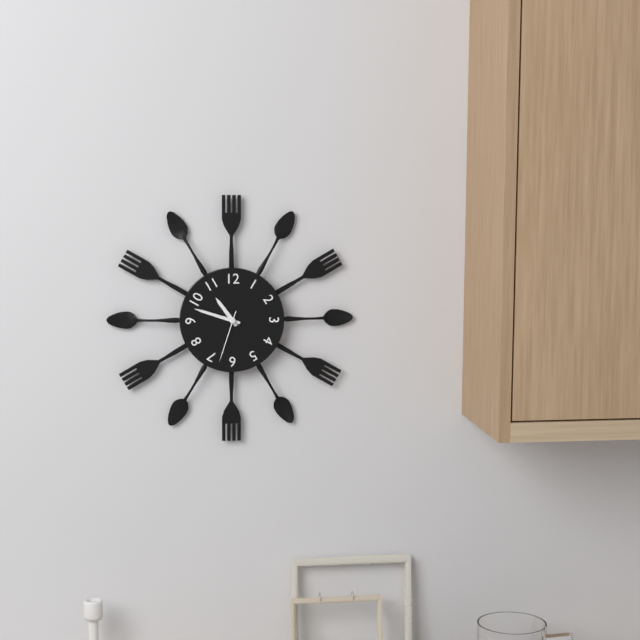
10:48:33
